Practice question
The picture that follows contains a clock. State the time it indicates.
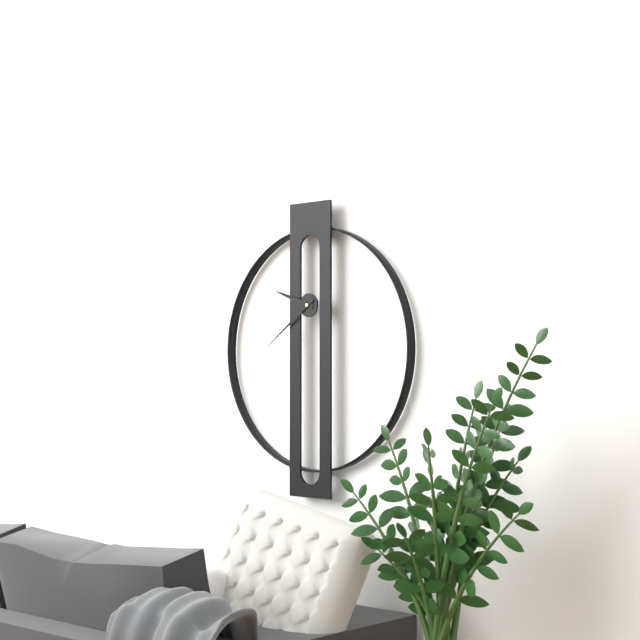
9:39
